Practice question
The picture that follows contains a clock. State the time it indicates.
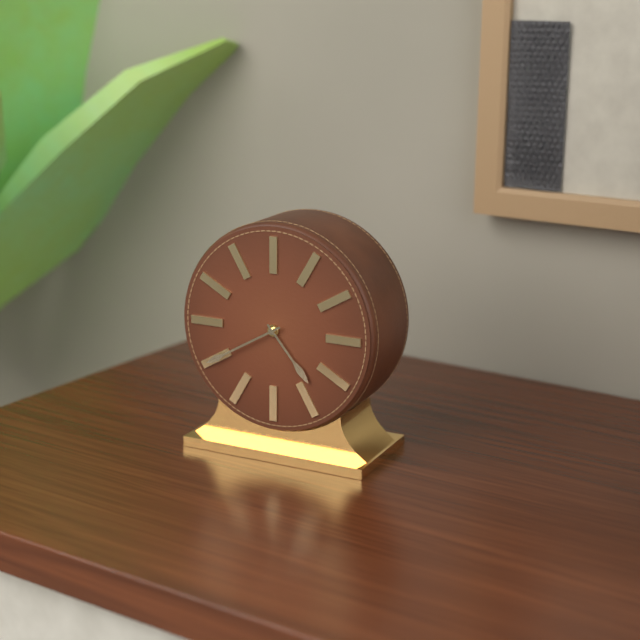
4:40
